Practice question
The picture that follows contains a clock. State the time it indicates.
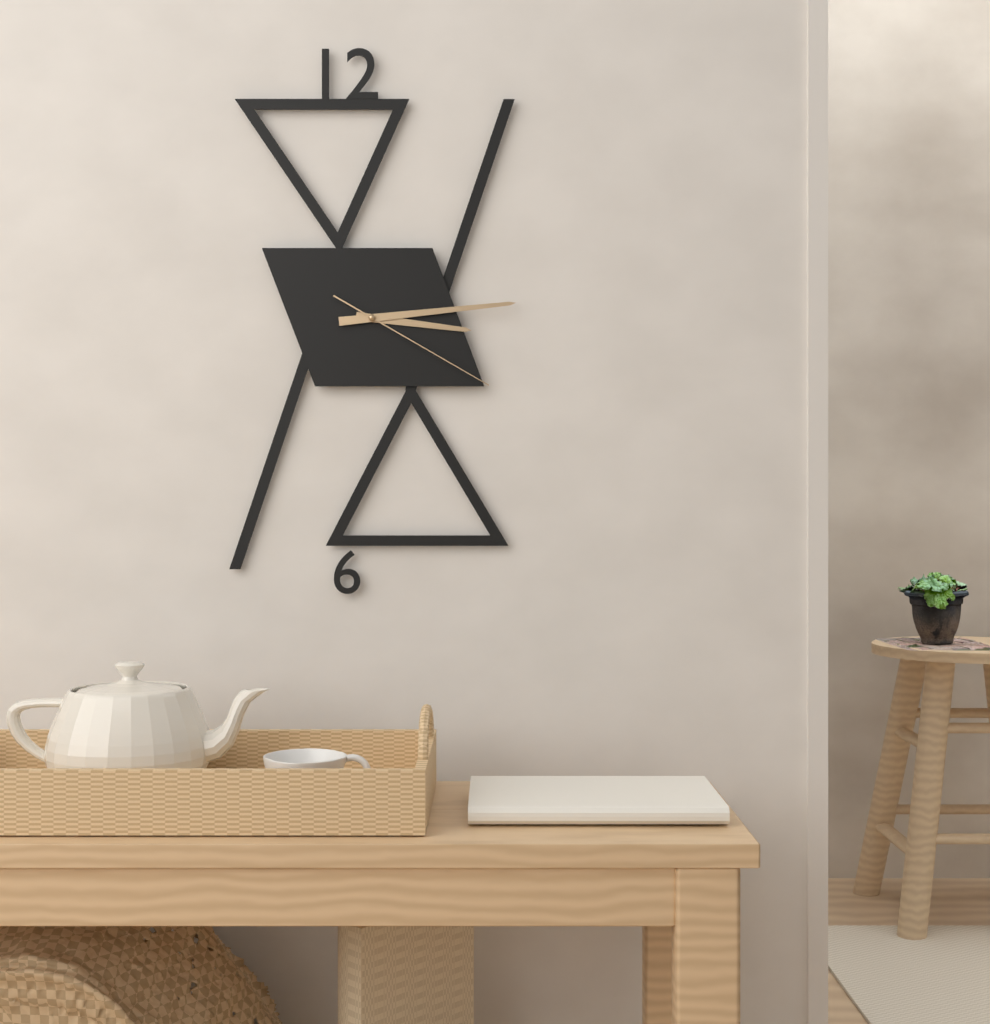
3:14:20
